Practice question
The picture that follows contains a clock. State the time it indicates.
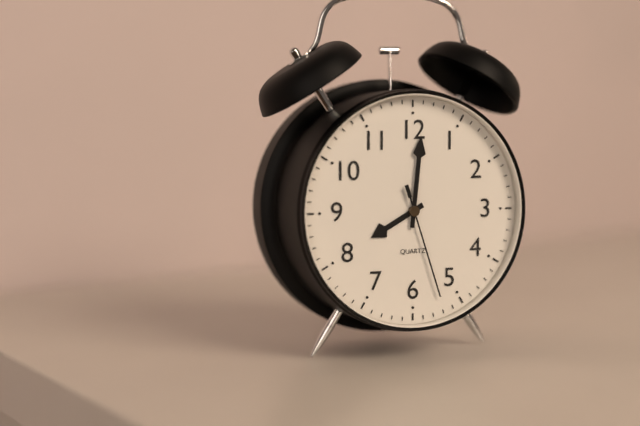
8:01:27
